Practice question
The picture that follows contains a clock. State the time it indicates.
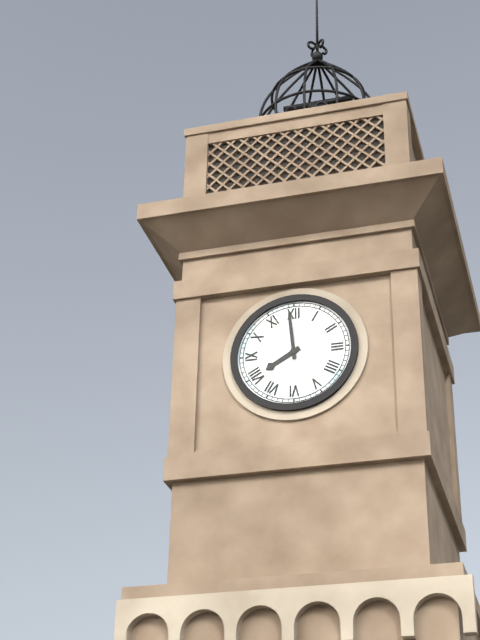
7:59
